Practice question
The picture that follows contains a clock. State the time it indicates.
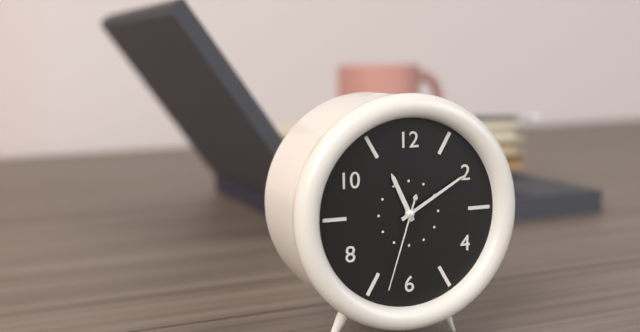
11:10:33
